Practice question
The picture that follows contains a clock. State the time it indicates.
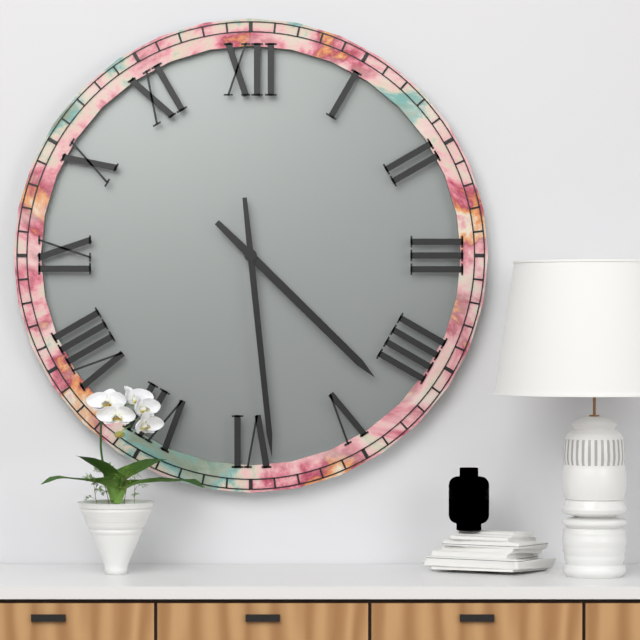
4:29
